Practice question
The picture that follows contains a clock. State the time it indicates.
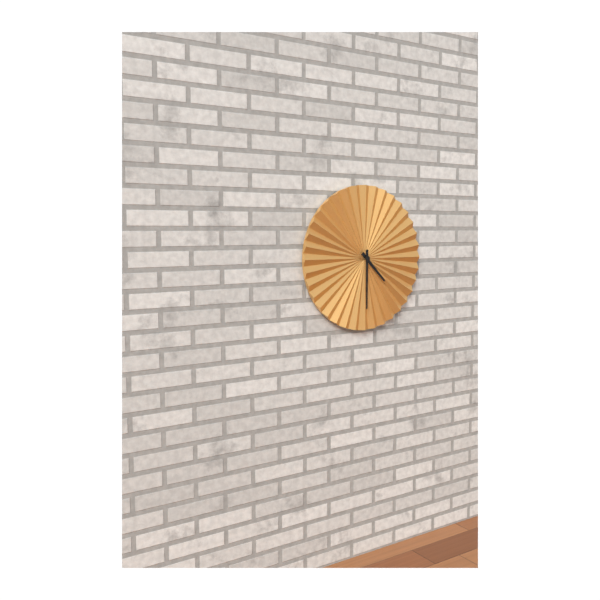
4:30
